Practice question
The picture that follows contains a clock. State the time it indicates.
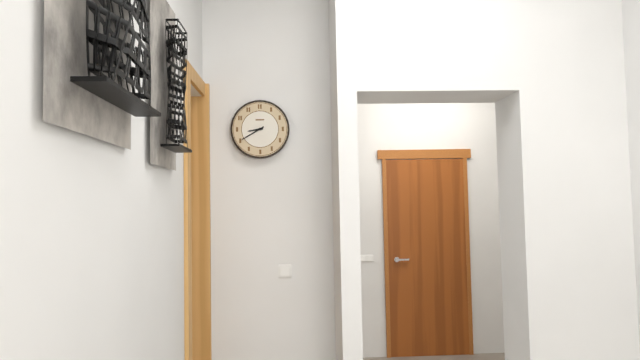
8:40
